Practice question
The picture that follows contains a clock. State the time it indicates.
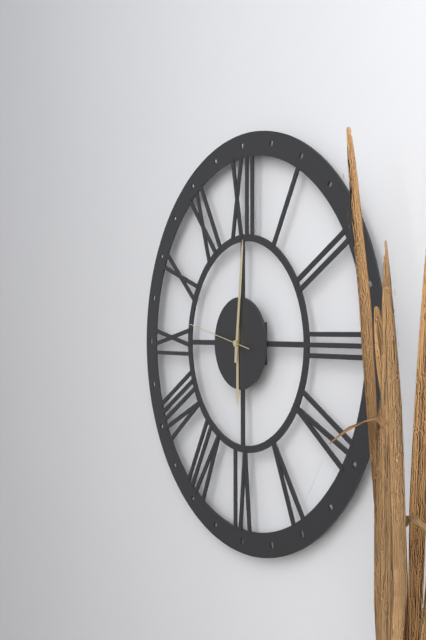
6:01:47
